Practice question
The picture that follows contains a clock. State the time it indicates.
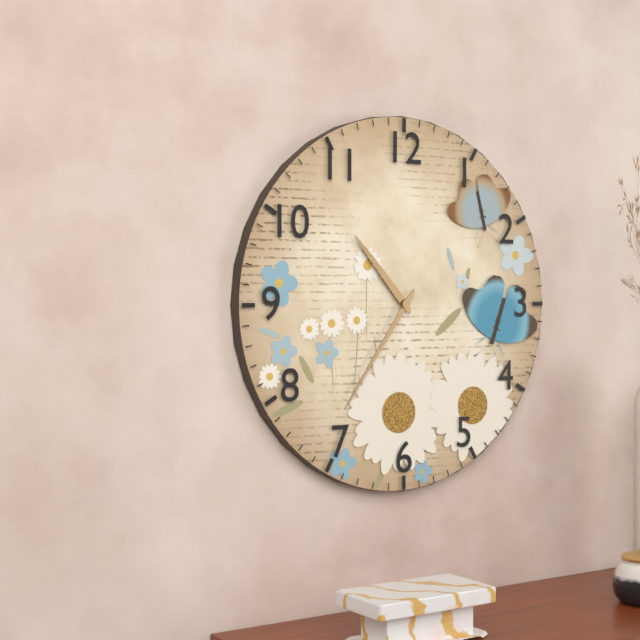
10:36
